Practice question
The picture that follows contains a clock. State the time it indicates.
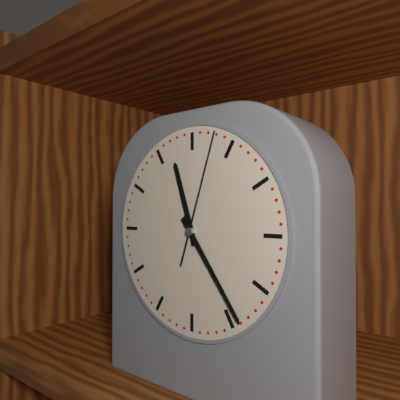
11:24:03
